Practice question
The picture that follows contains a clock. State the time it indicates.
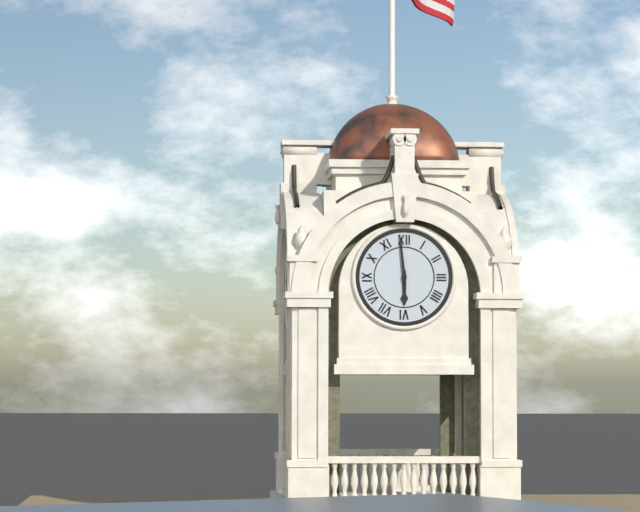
5:59
